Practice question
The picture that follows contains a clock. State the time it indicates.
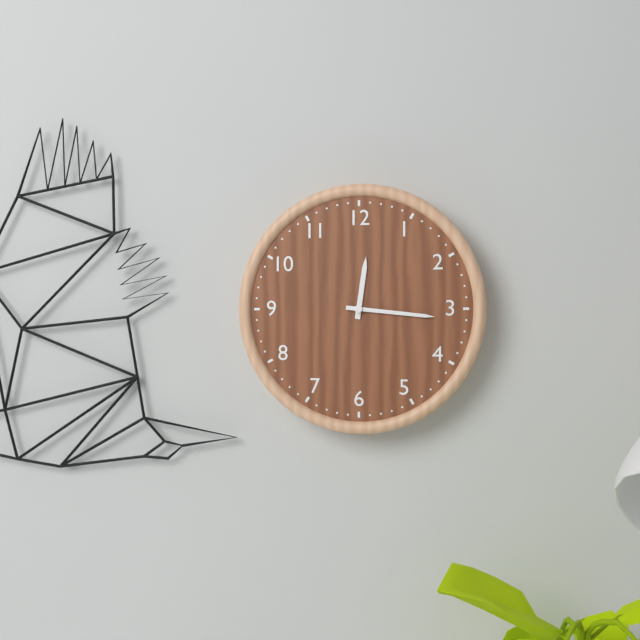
12:16
